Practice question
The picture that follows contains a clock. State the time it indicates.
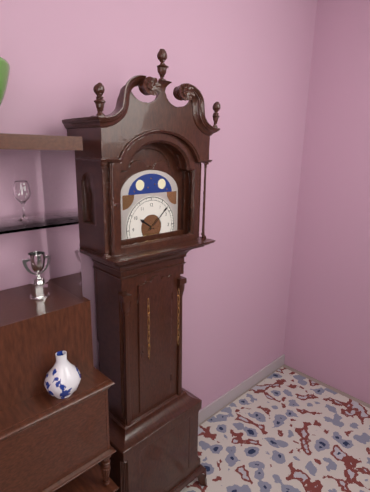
10:08
